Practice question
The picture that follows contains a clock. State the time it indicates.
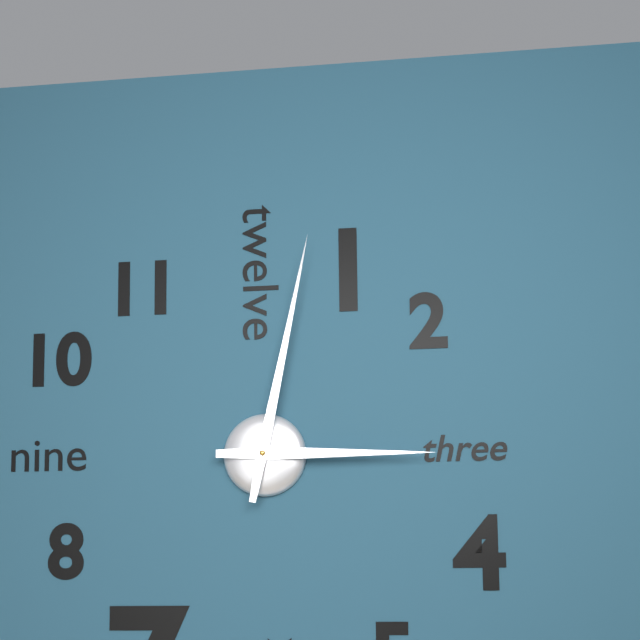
3:02
